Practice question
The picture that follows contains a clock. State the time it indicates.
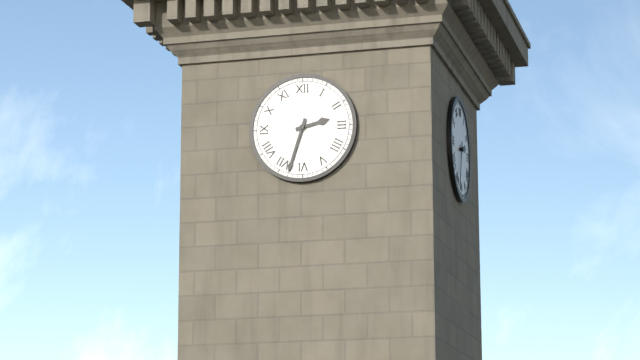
2:33
